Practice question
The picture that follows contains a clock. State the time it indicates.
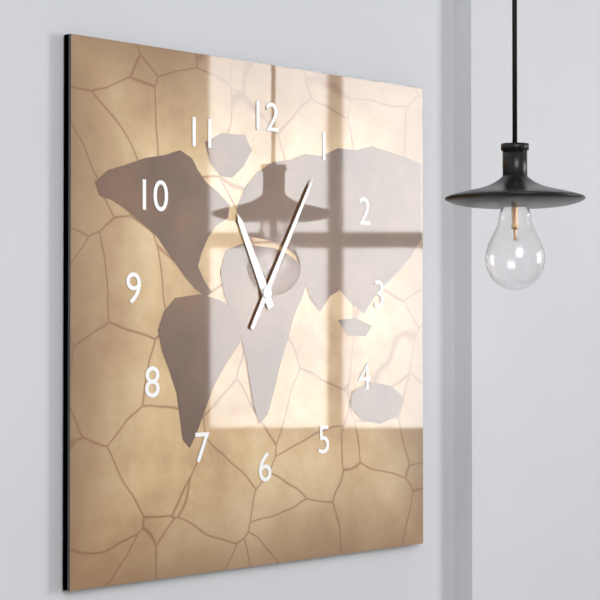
11:05
